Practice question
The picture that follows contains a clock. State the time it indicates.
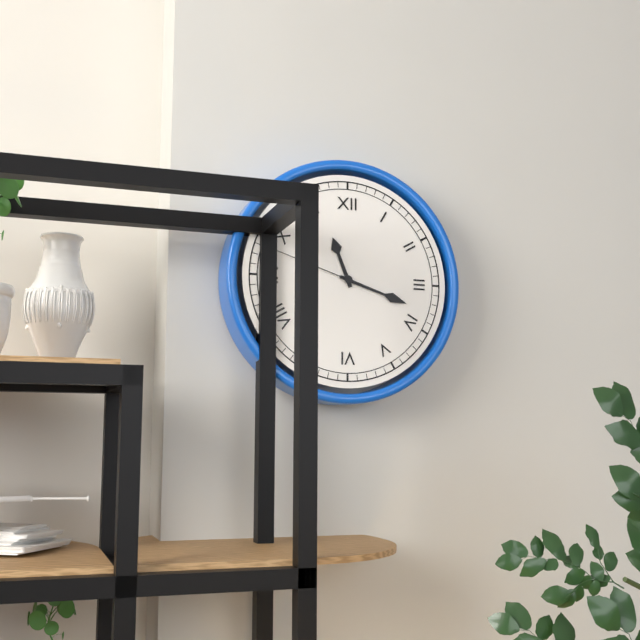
11:18:48
